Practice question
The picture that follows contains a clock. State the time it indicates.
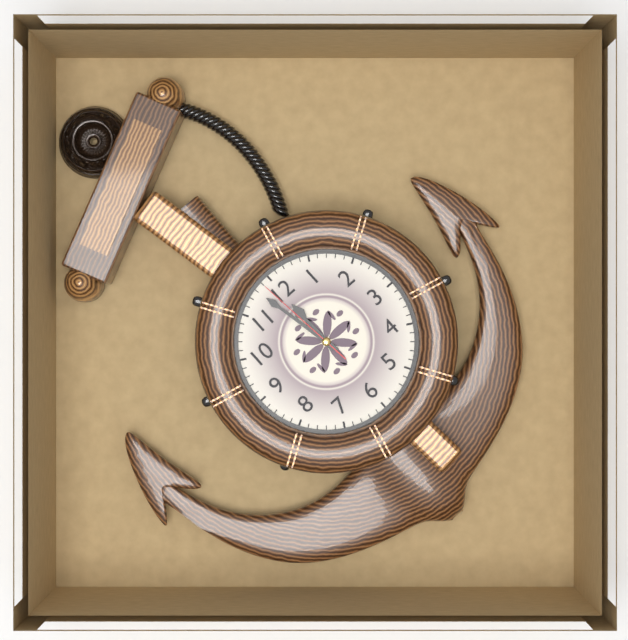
11:58:59
